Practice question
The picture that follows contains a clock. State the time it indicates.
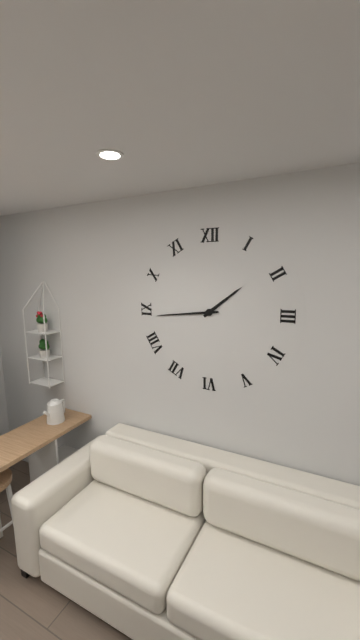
1:44
